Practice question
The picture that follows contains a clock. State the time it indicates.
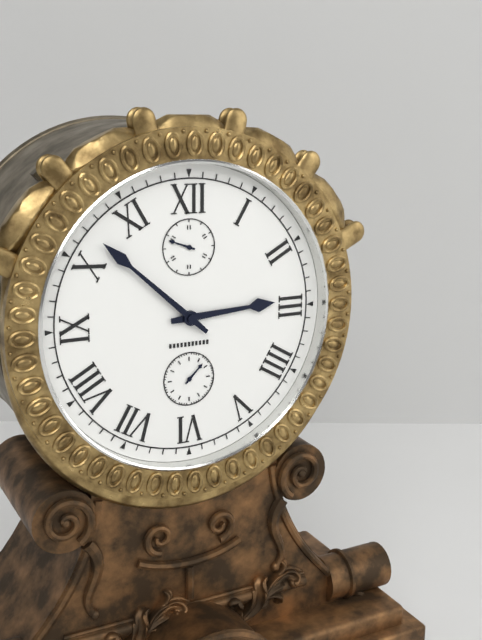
2:52
